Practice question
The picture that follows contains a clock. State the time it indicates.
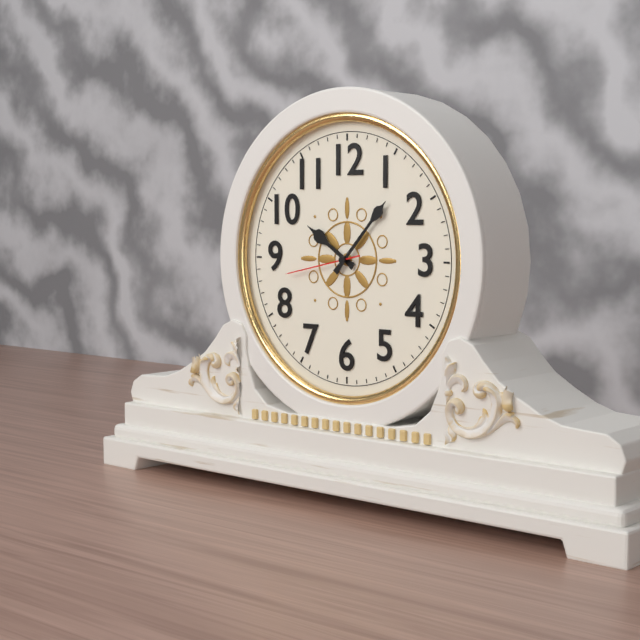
10:07:43
